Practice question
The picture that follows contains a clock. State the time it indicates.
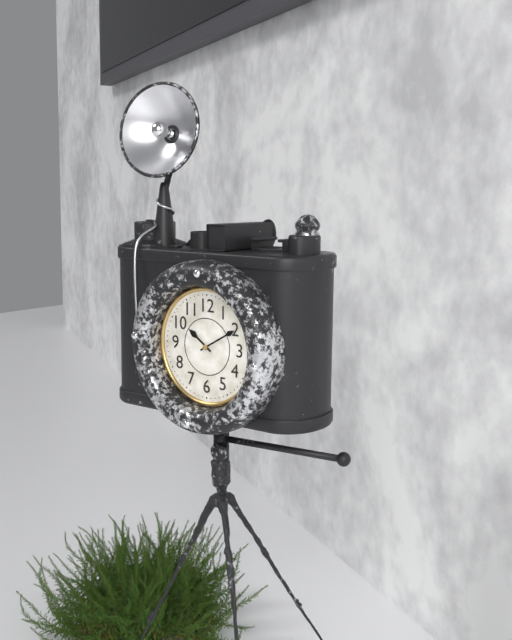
10:10
